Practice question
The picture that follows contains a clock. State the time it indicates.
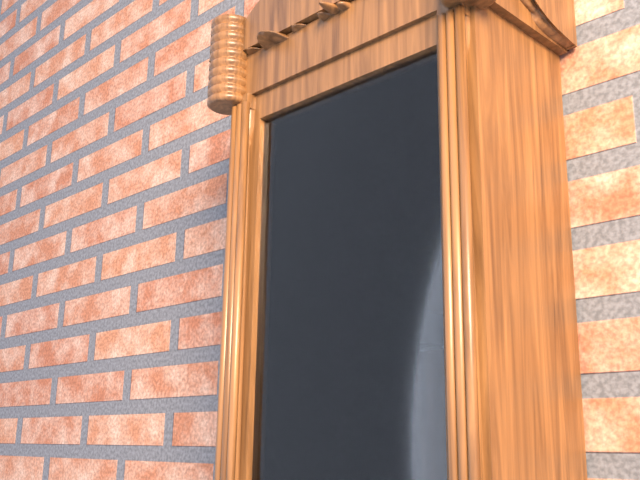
2:05
